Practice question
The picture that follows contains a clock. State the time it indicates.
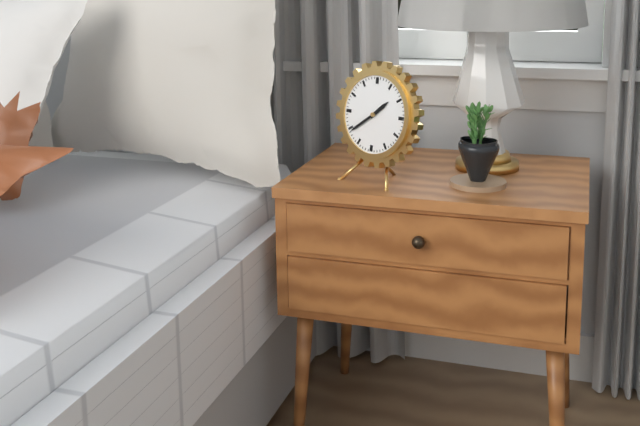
1:39
